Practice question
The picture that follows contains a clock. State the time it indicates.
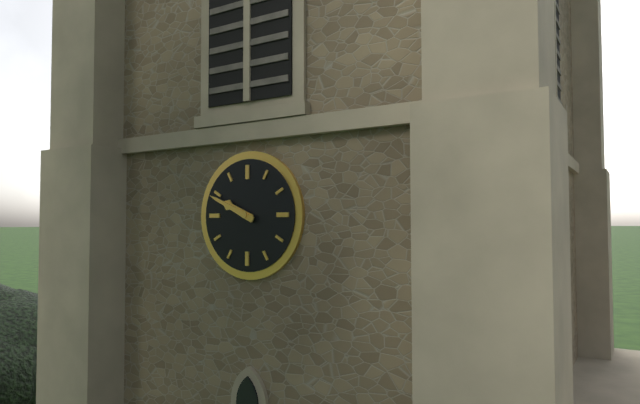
9:49
